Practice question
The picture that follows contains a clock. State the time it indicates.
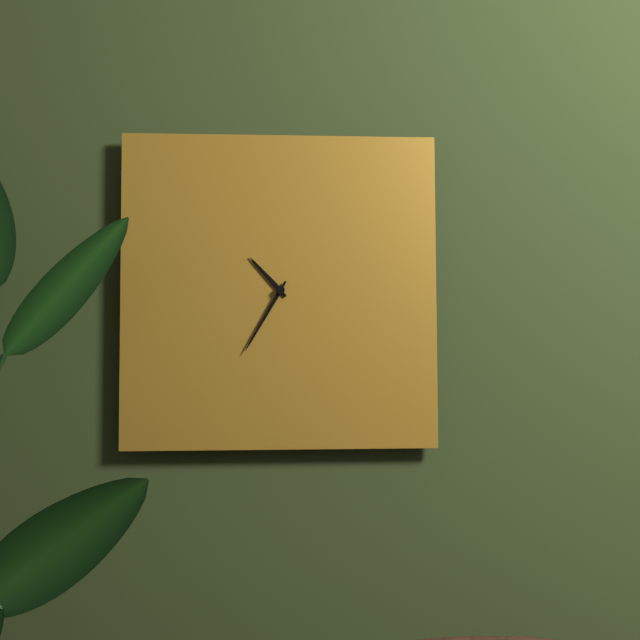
10:35
